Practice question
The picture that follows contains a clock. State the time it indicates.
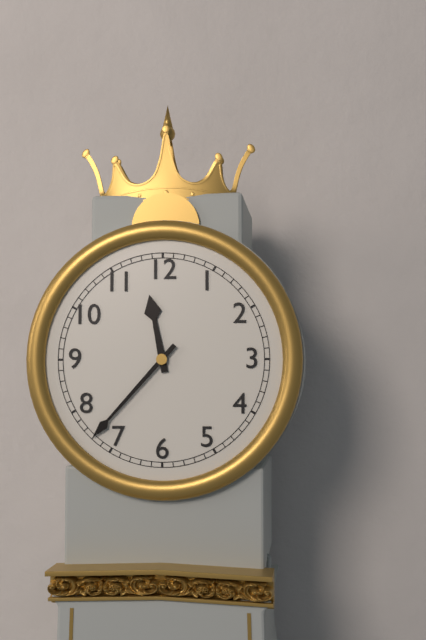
11:37
